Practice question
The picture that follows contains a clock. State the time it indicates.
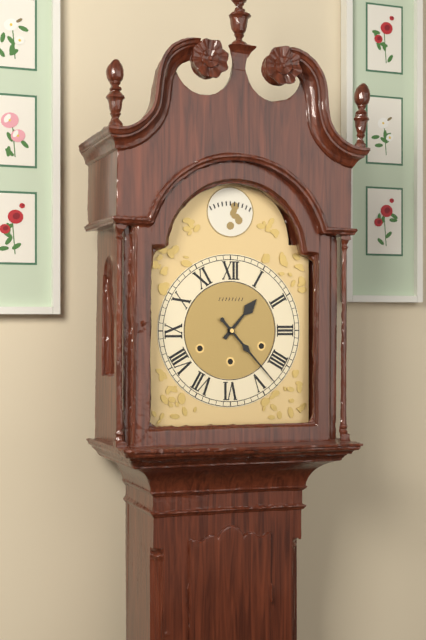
1:23
